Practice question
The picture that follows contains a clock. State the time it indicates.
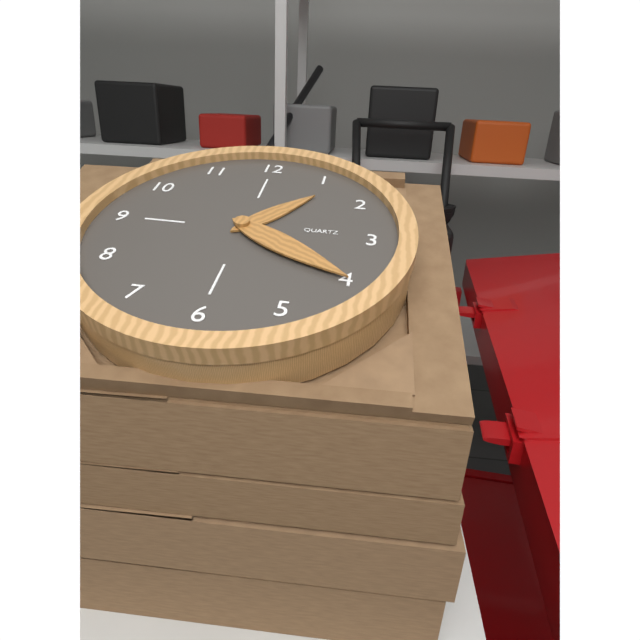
1:20
